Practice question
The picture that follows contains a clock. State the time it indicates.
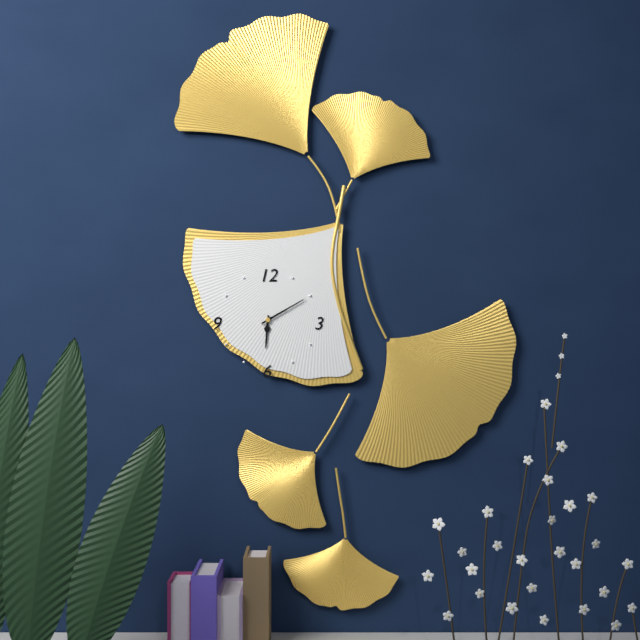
6:10
